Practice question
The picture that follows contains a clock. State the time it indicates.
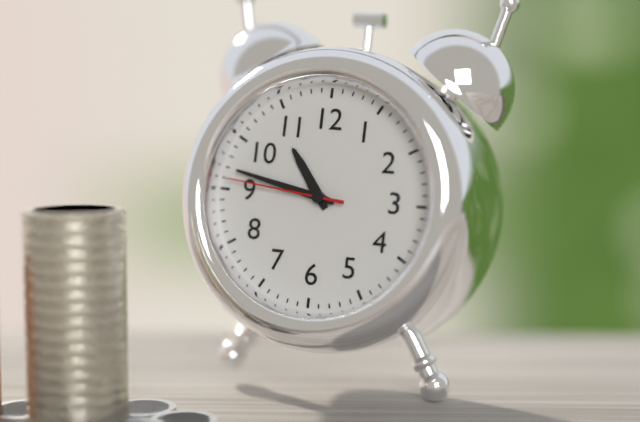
10:47:46
